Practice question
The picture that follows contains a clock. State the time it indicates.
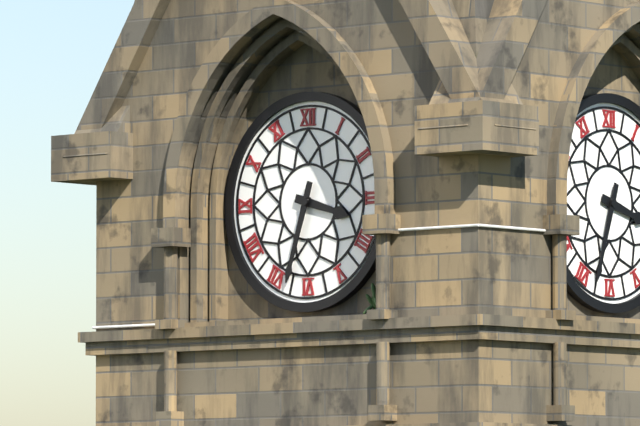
3:33
